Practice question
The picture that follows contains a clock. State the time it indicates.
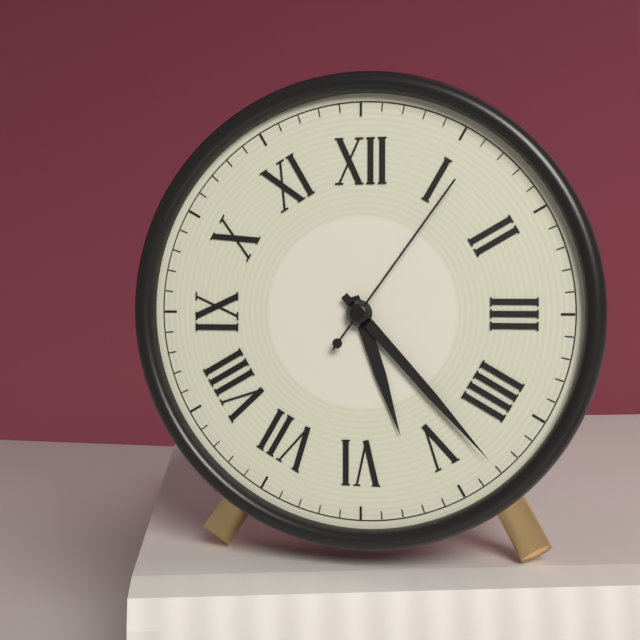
5:23:06
